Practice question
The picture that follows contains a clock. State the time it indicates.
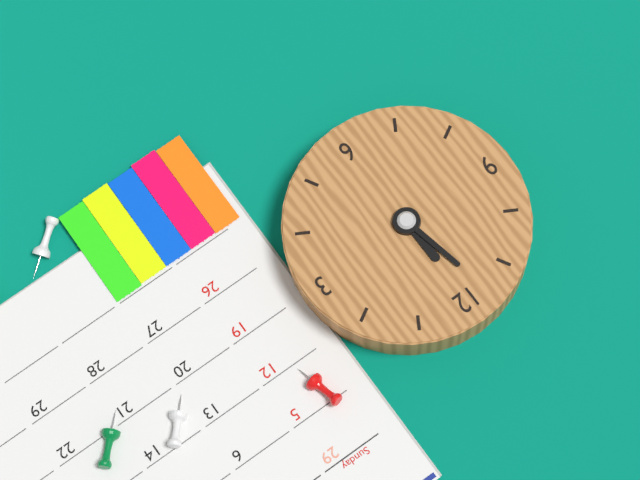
11:58
